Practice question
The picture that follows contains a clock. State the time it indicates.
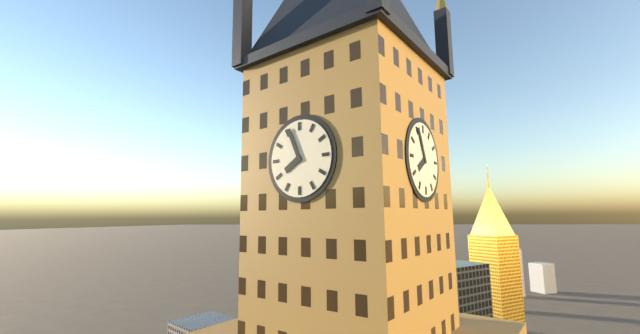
7:56
